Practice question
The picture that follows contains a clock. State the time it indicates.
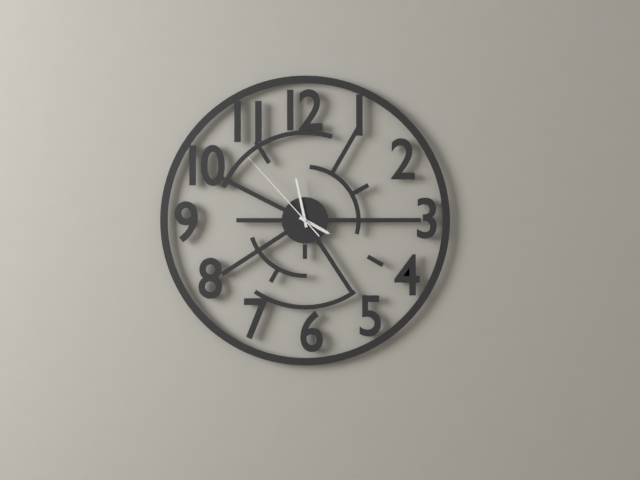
3:58:53
